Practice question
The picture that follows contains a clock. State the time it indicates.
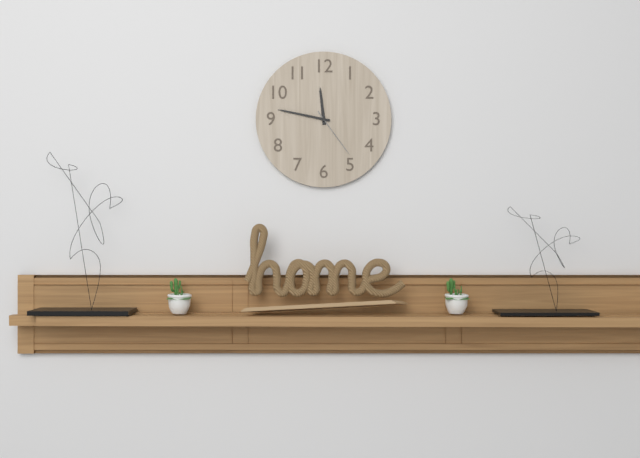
11:47:24
